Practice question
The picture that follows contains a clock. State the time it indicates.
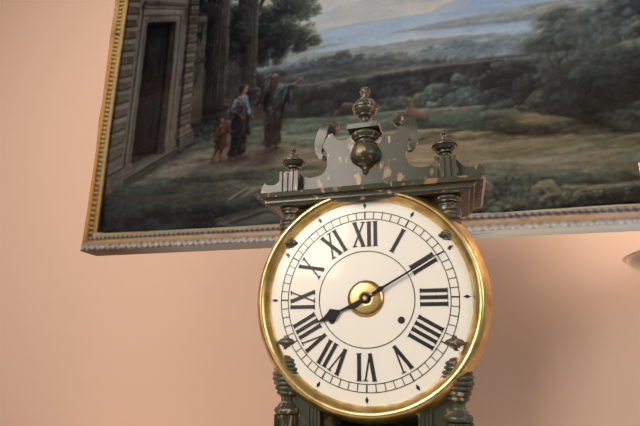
8:10
